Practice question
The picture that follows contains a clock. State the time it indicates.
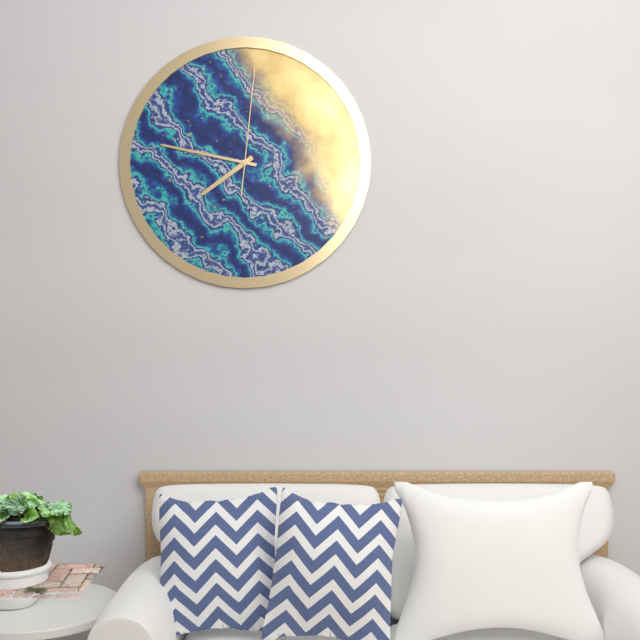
7:47:01
